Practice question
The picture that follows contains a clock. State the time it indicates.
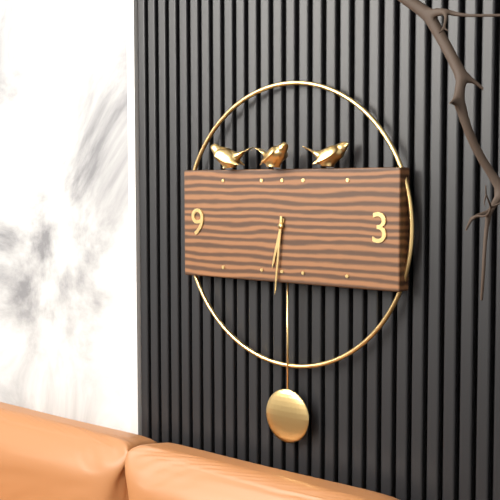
6:31
